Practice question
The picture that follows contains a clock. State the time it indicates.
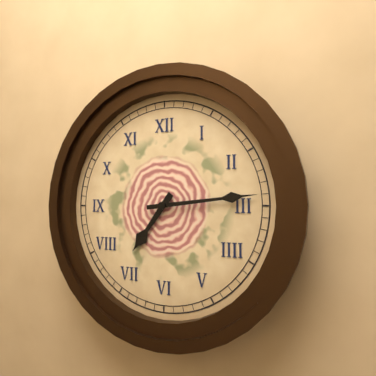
7:14
